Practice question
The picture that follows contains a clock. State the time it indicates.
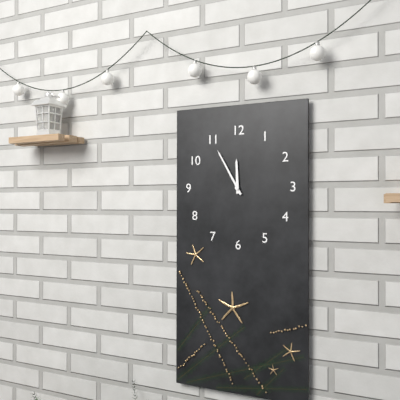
11:55
